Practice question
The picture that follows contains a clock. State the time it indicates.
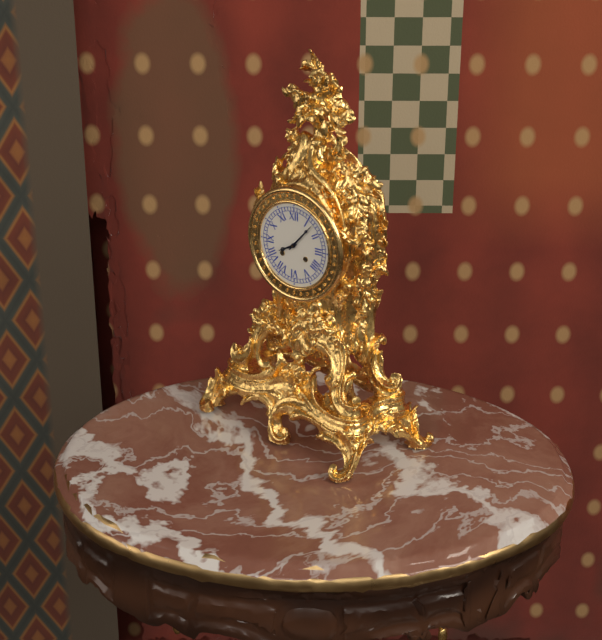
8:07
